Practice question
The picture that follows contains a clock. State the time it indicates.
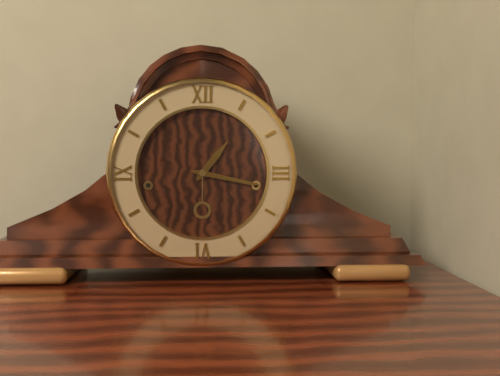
1:17
